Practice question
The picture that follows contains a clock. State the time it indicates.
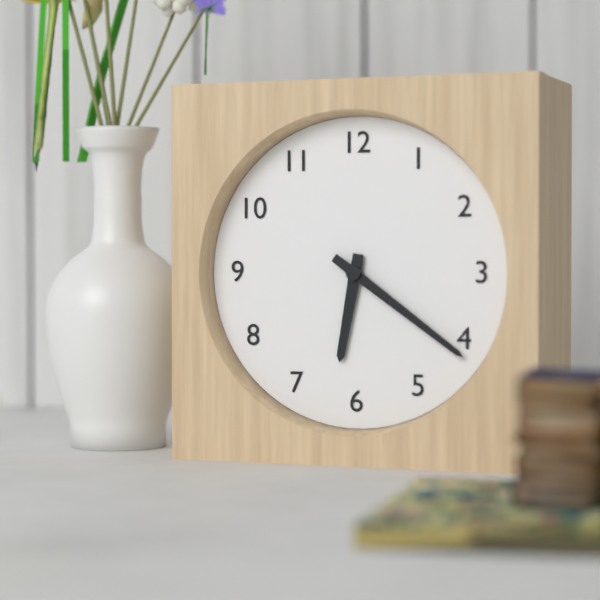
6:21
